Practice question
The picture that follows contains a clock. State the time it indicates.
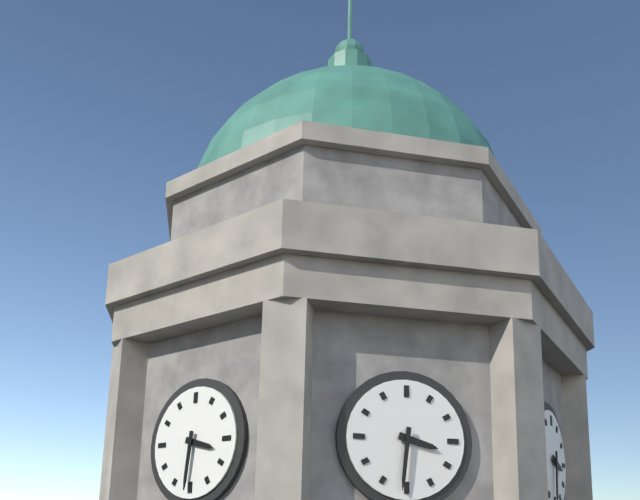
3:31
